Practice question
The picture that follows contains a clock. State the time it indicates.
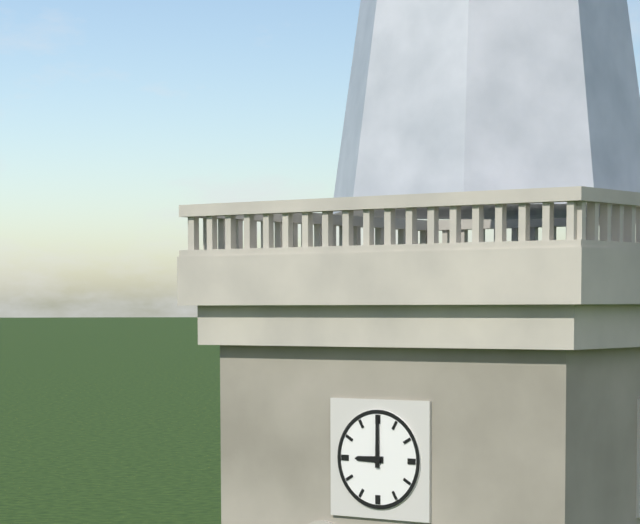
9:00
